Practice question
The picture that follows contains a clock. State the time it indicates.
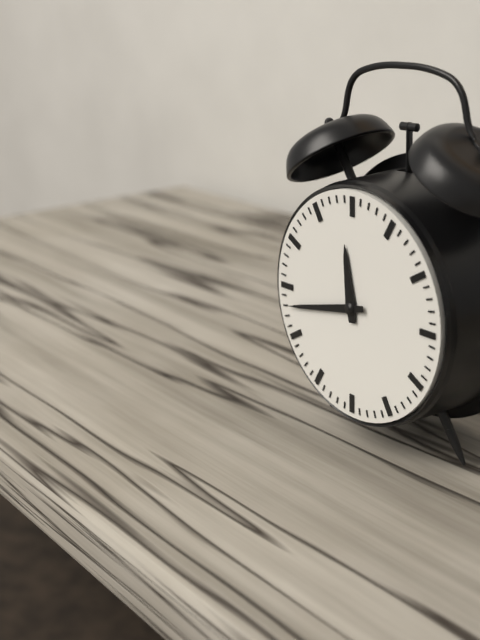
11:43
